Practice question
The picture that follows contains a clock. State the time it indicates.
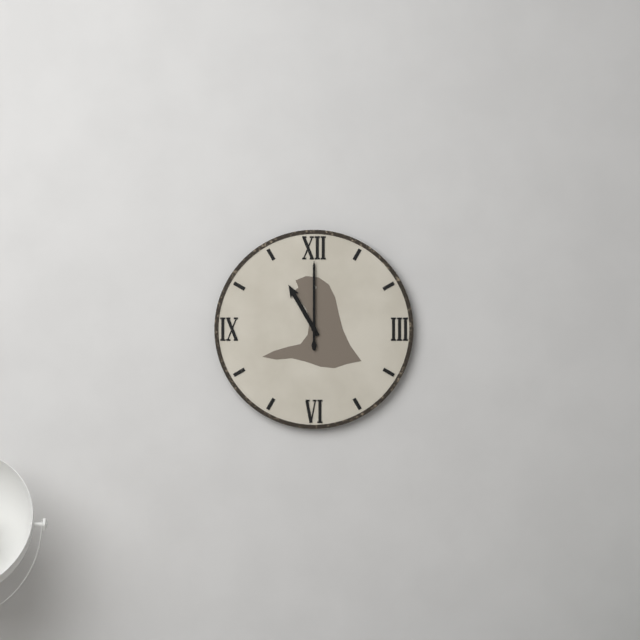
11:00
